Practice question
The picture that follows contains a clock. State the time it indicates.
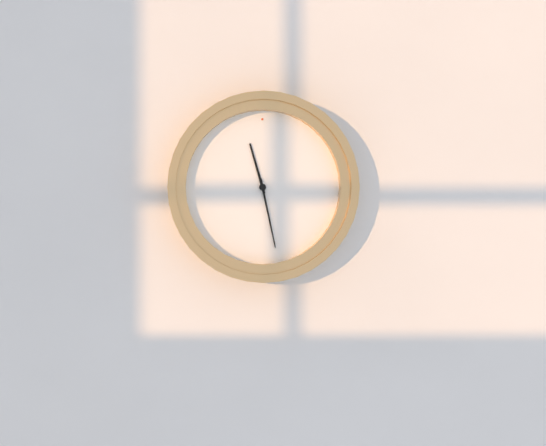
11:28
